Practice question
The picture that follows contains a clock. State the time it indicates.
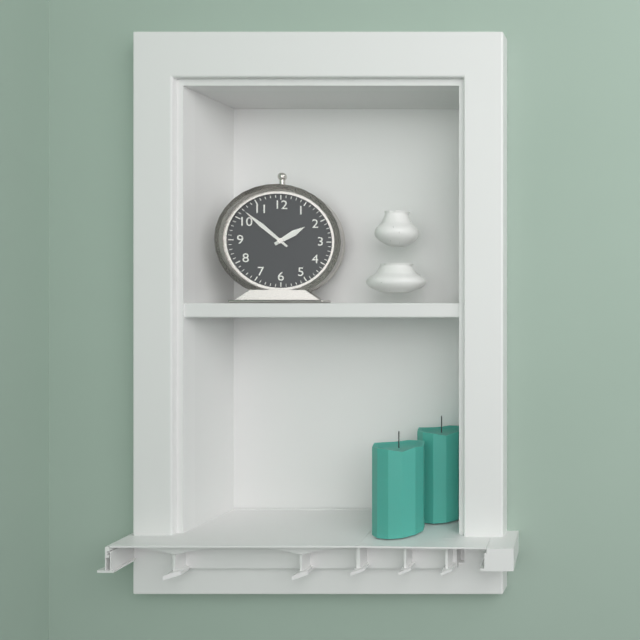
1:52
